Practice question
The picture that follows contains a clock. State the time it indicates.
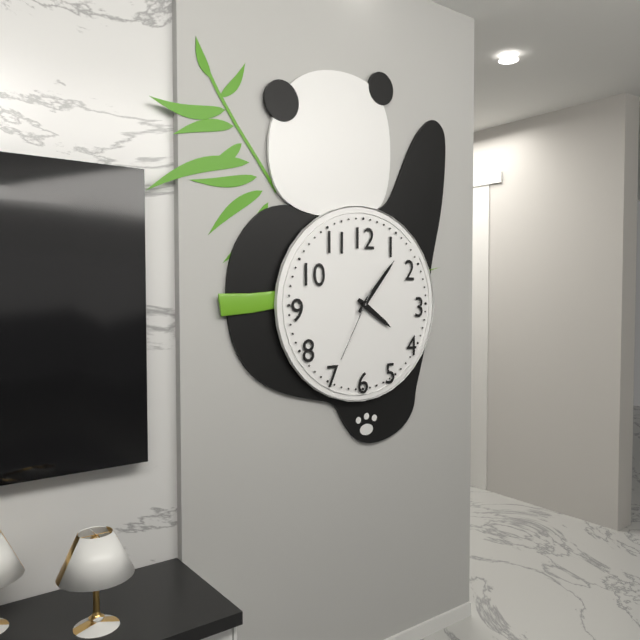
4:07:35
